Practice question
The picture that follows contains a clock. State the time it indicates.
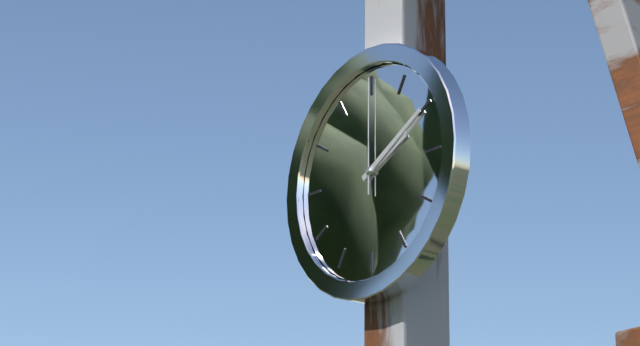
2:10:00
